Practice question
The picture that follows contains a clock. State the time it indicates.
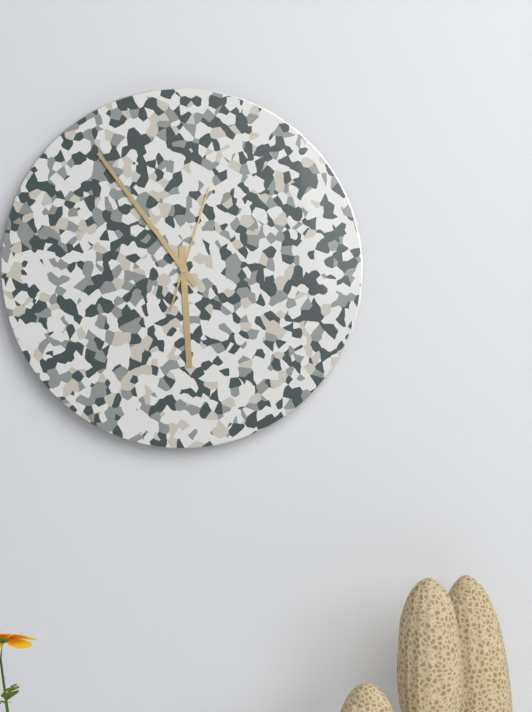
5:54:03
